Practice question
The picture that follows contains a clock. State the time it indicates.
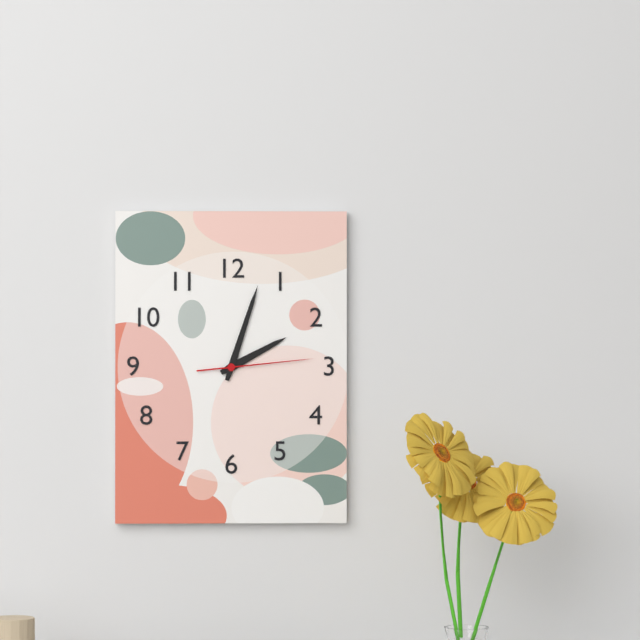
2:03:14
